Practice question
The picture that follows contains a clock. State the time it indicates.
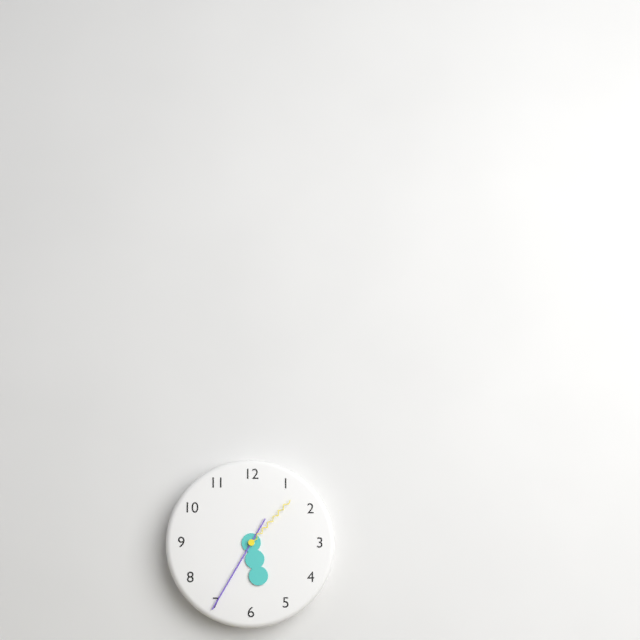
5:35:07
